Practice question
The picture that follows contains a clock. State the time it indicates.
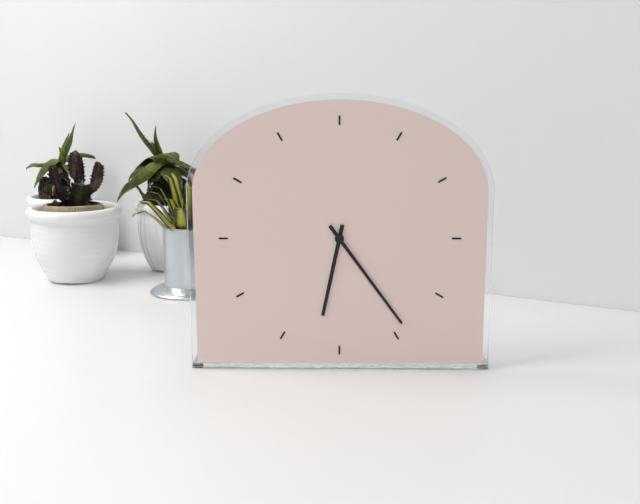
6:24
